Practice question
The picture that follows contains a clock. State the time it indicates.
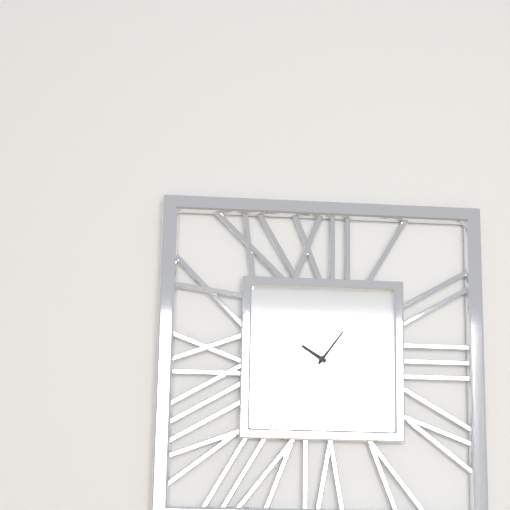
10:06
